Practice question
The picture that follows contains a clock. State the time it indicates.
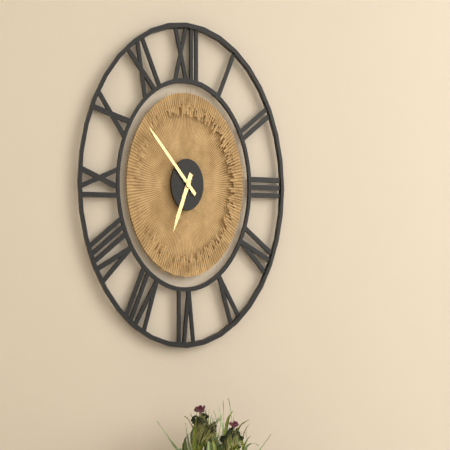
6:52
